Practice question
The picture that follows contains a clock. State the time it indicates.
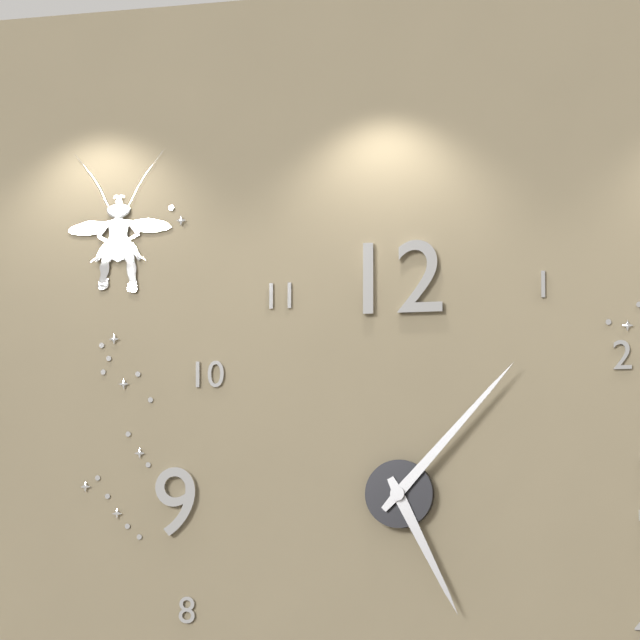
5:07
